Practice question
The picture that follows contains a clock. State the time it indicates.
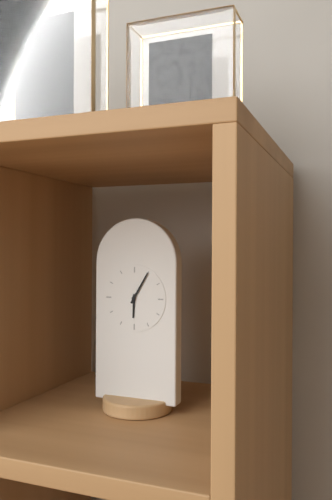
6:05
